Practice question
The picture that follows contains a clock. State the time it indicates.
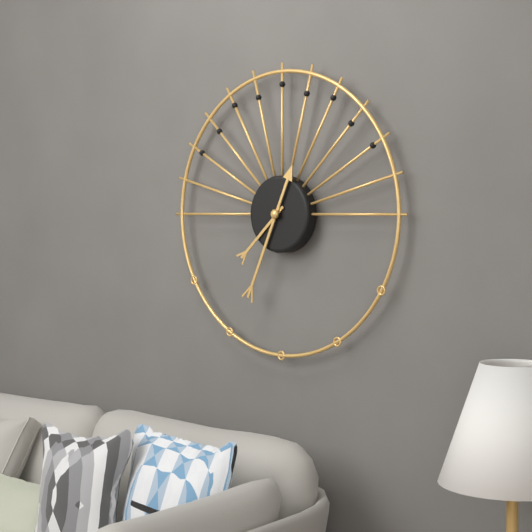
7:34
